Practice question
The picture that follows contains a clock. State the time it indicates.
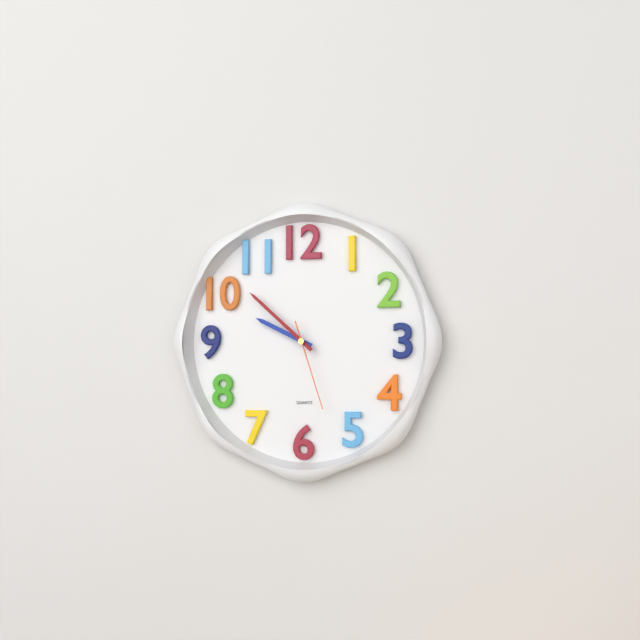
9:52:27
